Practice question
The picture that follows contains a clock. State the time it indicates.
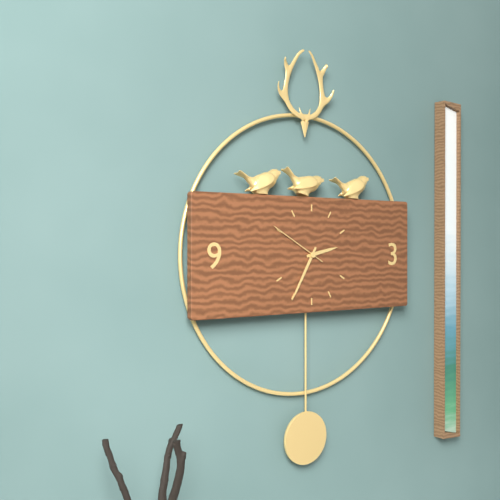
2:35:50
